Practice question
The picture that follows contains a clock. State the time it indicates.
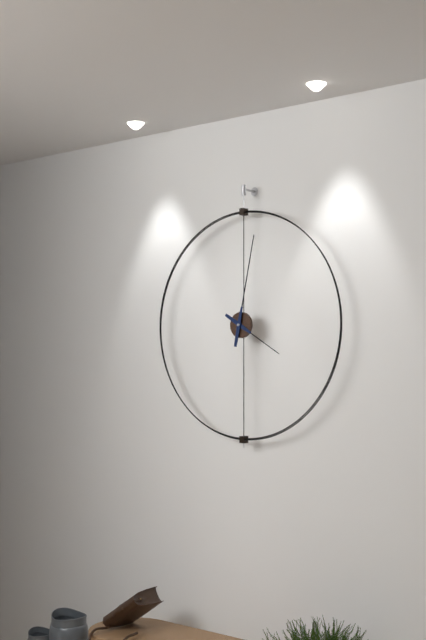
4:02
